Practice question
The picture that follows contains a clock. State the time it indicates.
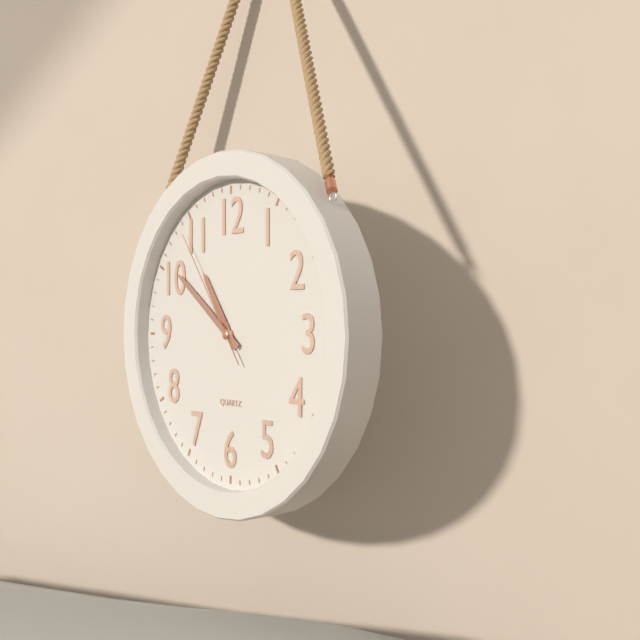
10:51:54
